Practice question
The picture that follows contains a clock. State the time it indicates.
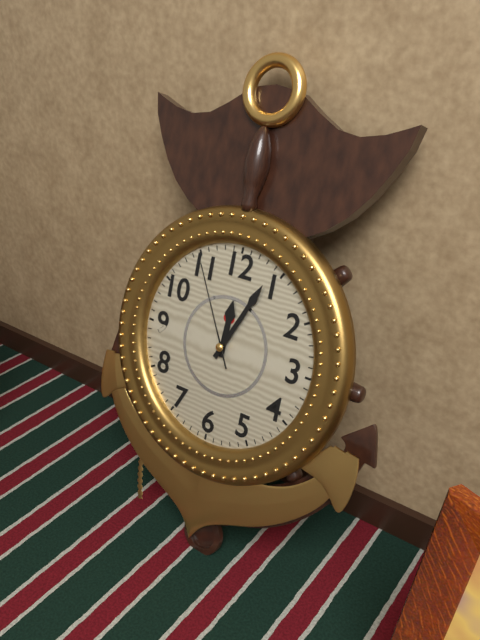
12:04:55
